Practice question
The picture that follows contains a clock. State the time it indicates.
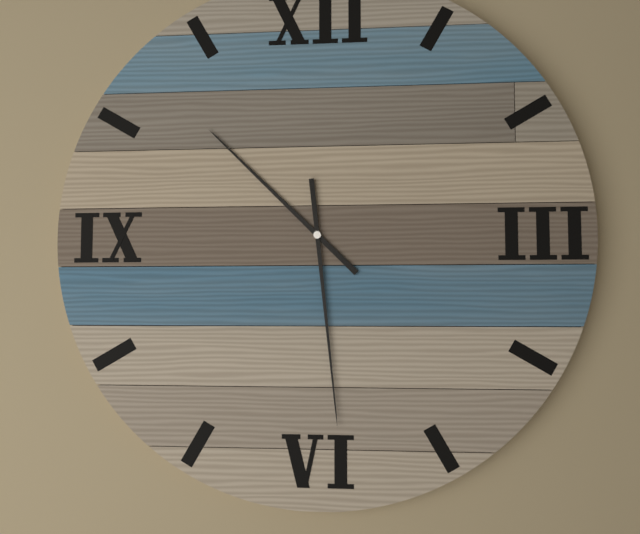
10:29
